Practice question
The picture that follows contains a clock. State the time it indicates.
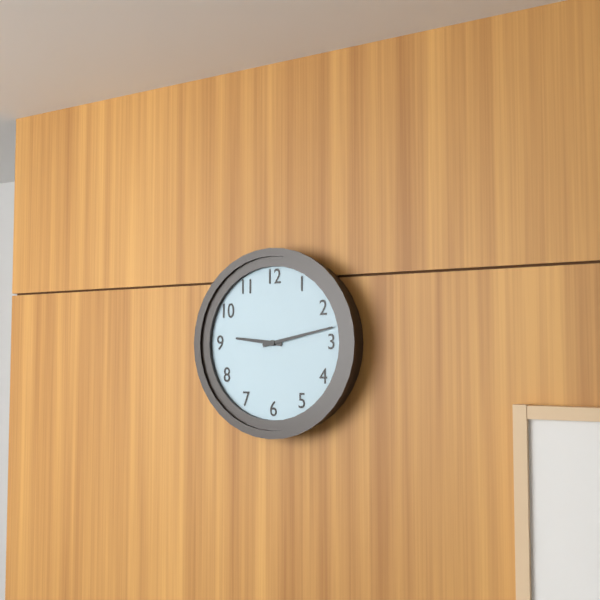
9:13
